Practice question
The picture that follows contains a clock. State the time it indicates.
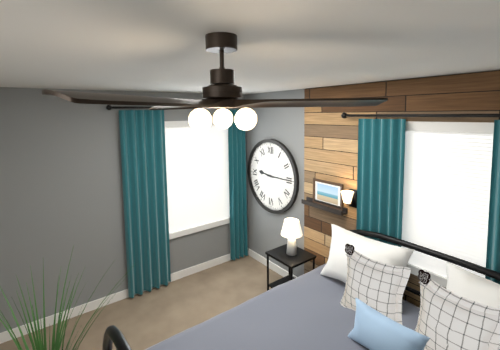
9:15
